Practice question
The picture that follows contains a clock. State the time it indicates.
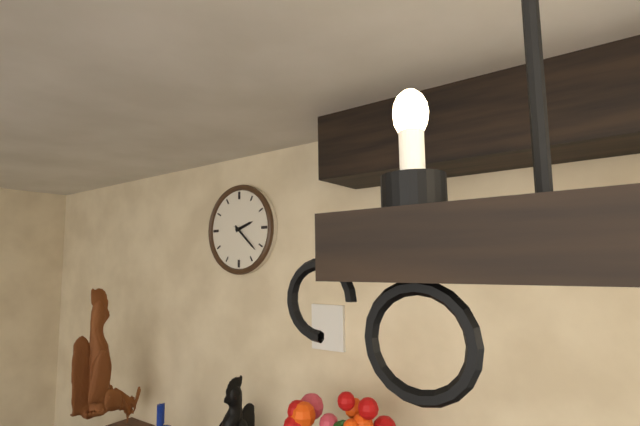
2:22
